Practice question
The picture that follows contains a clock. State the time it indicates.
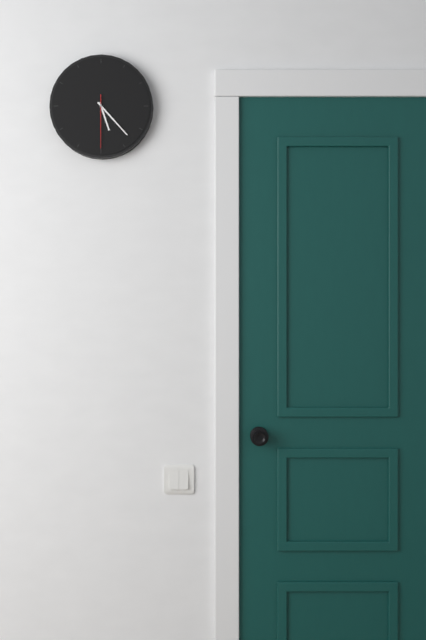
5:23:30
